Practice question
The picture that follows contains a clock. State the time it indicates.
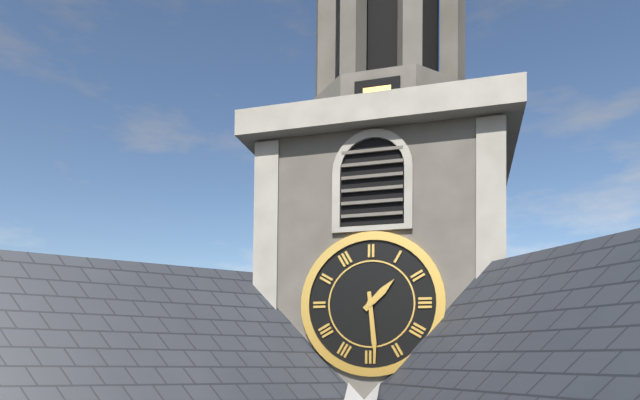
1:29
